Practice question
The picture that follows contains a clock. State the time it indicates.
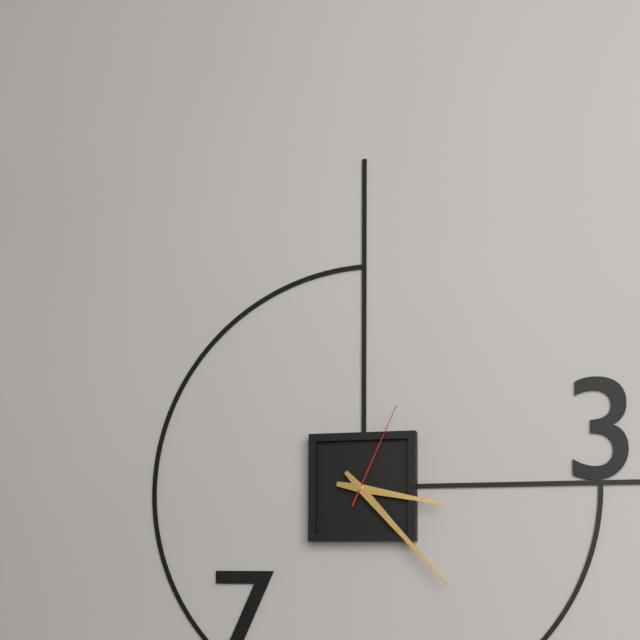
3:23:04
